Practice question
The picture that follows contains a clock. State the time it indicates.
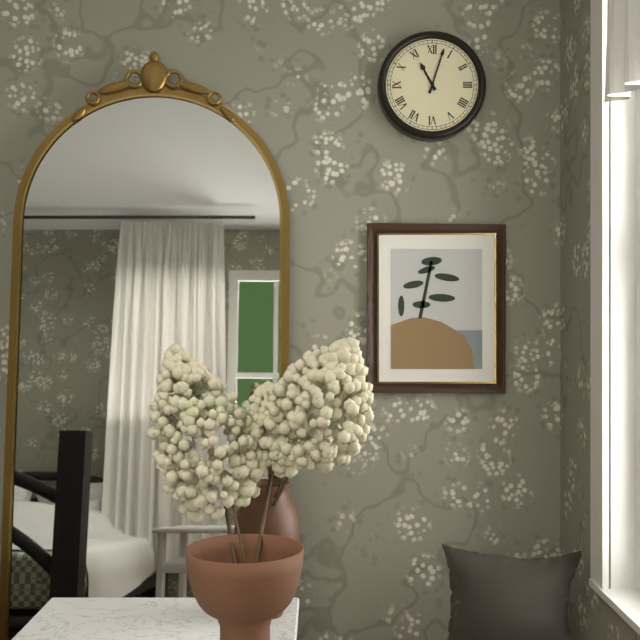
11:03
